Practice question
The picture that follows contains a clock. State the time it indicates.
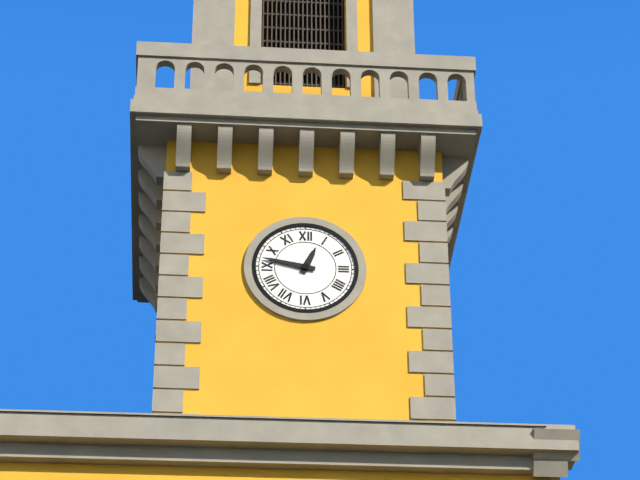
12:47
